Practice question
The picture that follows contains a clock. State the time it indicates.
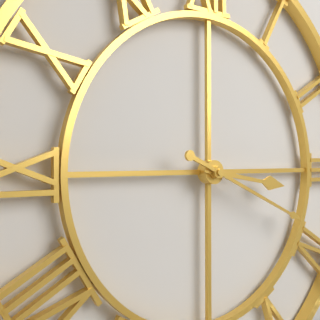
3:19
